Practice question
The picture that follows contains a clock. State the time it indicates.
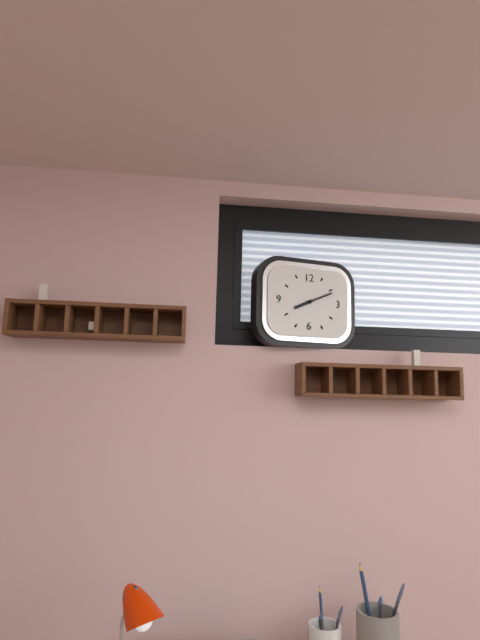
8:11
